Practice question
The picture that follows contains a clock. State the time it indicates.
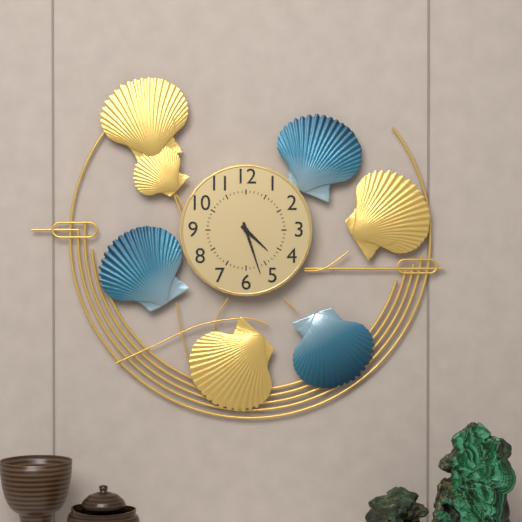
4:27
